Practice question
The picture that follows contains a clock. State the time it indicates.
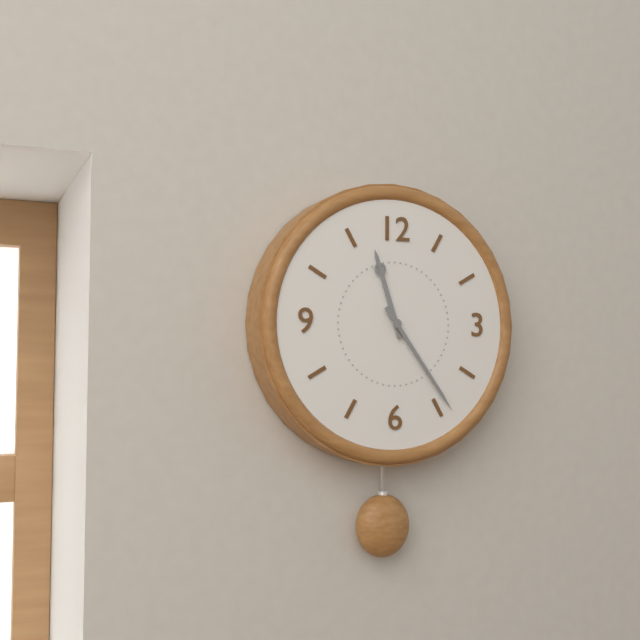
11:24
